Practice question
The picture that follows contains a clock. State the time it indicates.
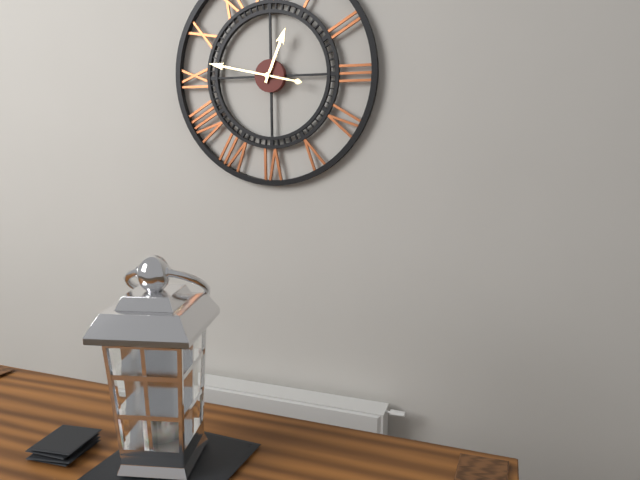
12:47
